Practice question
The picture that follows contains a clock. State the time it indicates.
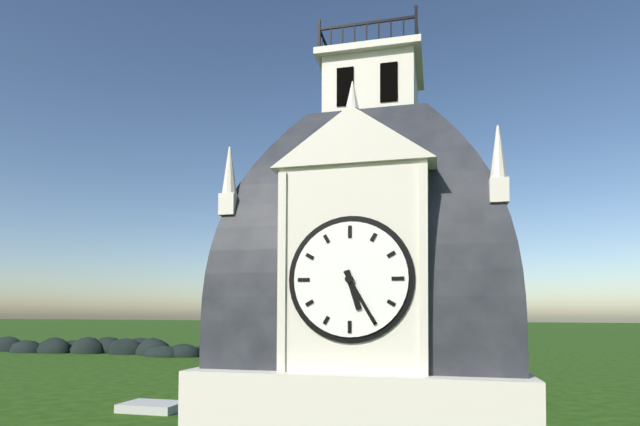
5:25
